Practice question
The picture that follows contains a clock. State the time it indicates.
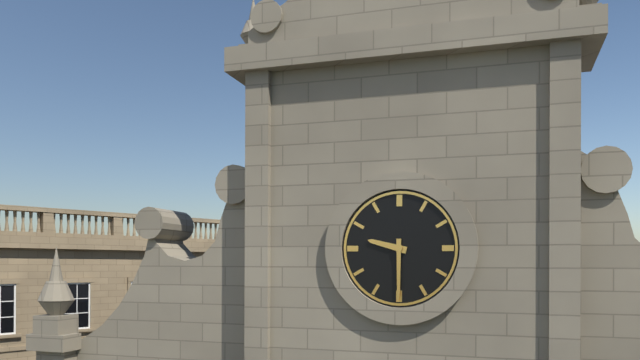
9:30
